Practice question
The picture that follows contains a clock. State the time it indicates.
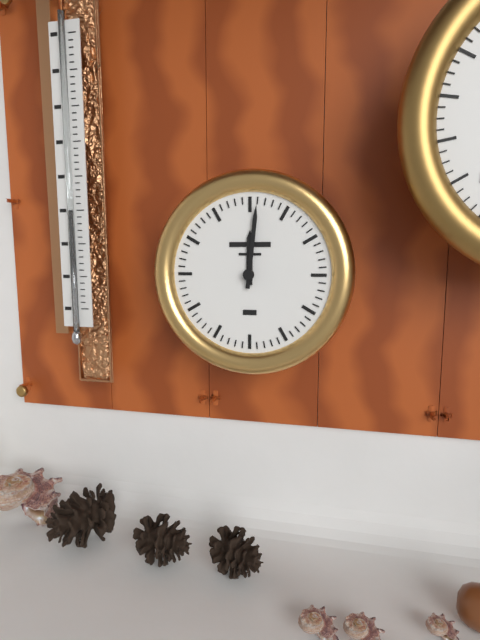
12:01
